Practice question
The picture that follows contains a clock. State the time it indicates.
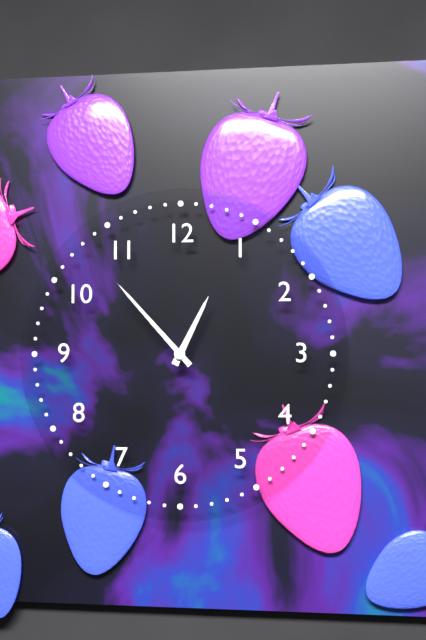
12:53
